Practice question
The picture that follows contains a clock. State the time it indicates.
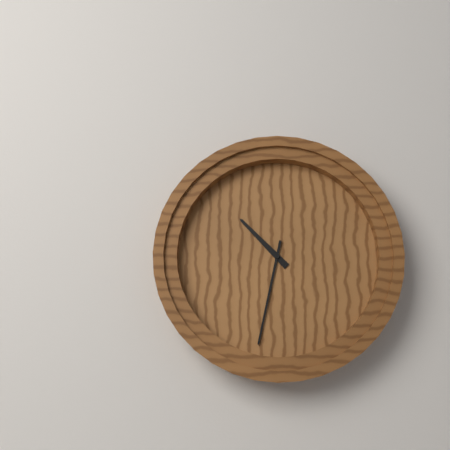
10:32
